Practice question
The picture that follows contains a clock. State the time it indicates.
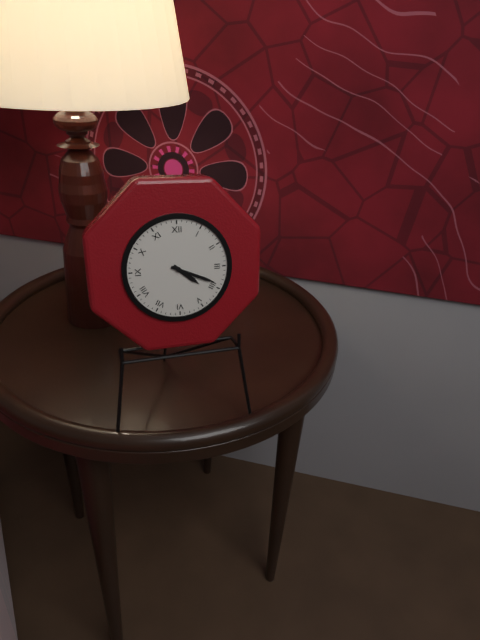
4:19
